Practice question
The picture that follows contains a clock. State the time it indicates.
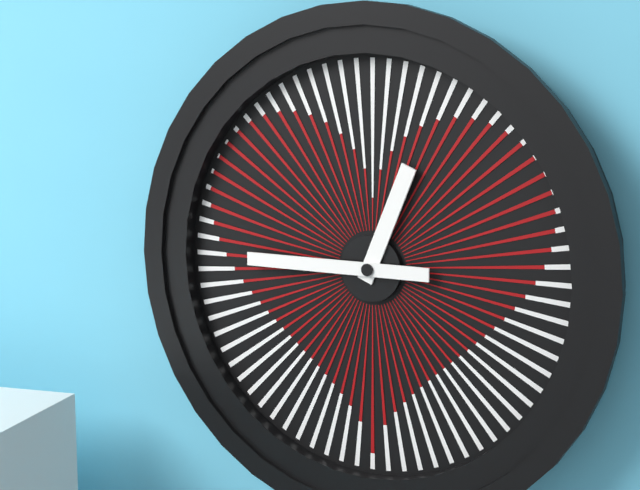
12:45
